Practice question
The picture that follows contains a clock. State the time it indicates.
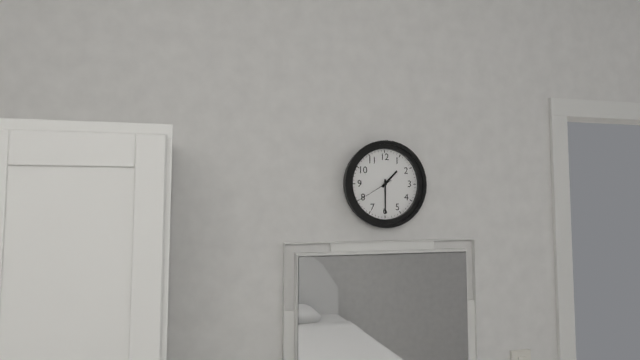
1:30
